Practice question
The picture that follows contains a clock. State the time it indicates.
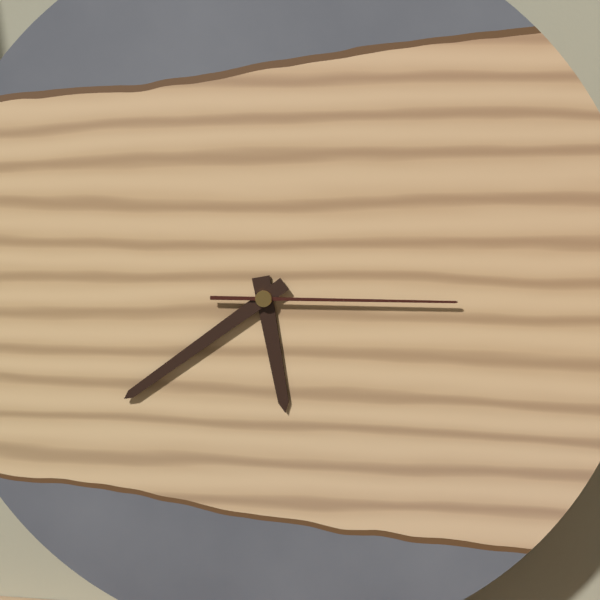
5:39:15
